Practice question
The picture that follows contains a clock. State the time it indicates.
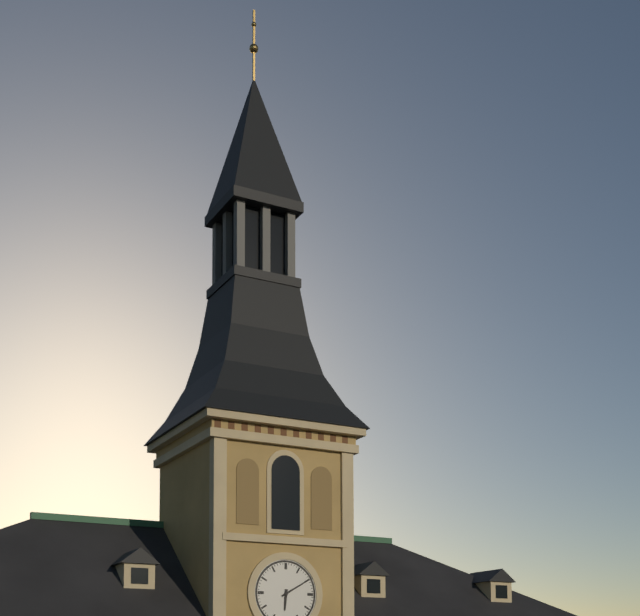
6:10
